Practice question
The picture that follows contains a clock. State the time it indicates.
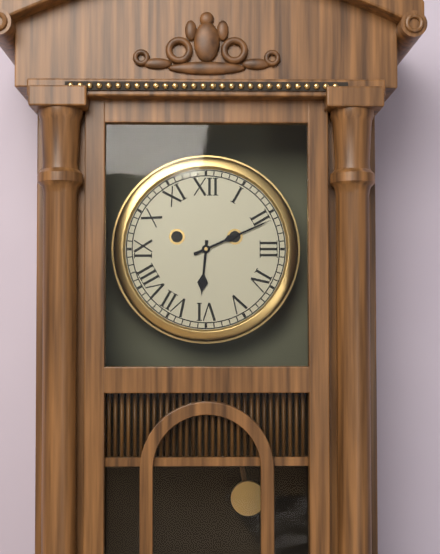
6:11
